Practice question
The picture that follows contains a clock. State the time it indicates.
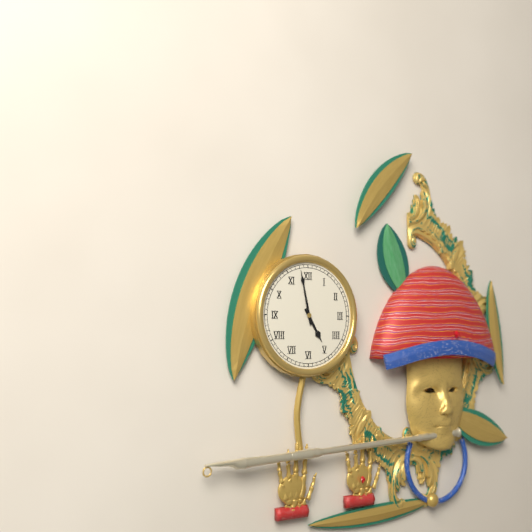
4:58
